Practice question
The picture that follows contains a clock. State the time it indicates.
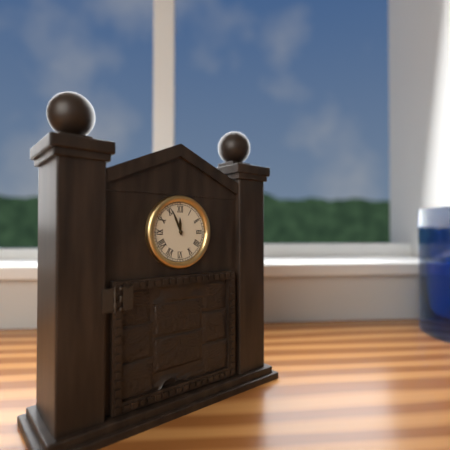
11:56
